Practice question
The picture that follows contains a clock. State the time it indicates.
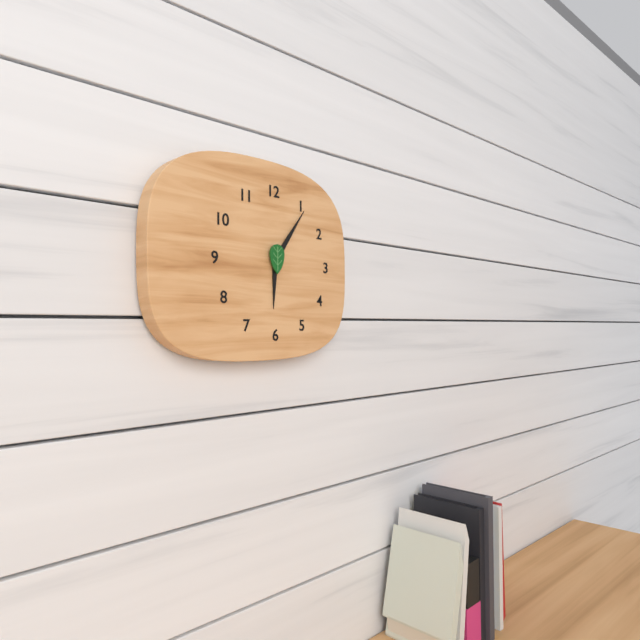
6:06
